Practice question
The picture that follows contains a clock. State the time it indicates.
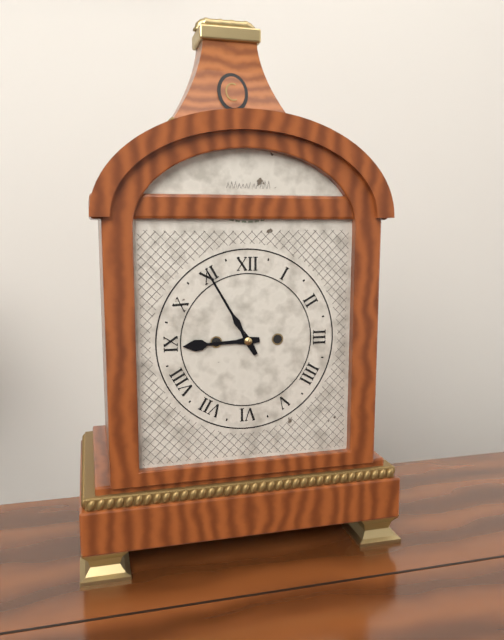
8:55
